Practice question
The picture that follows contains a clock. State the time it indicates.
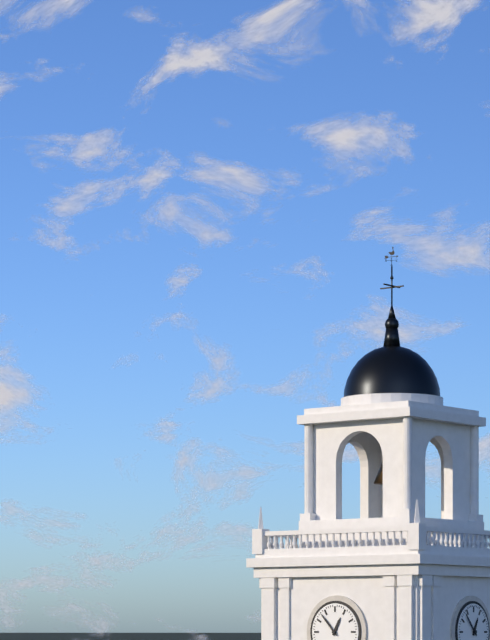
12:53
